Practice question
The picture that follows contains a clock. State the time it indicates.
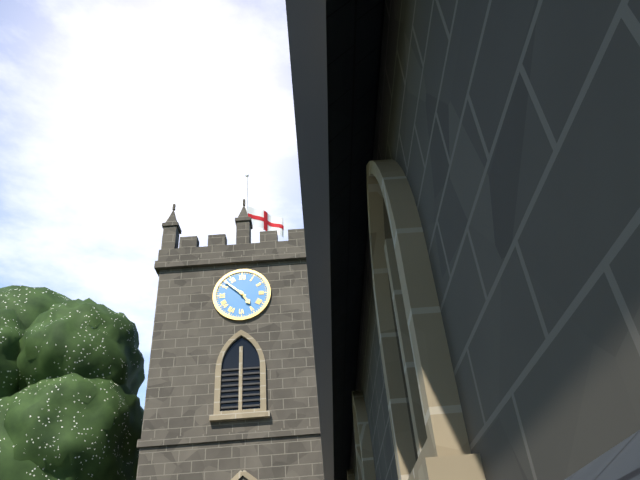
4:52
